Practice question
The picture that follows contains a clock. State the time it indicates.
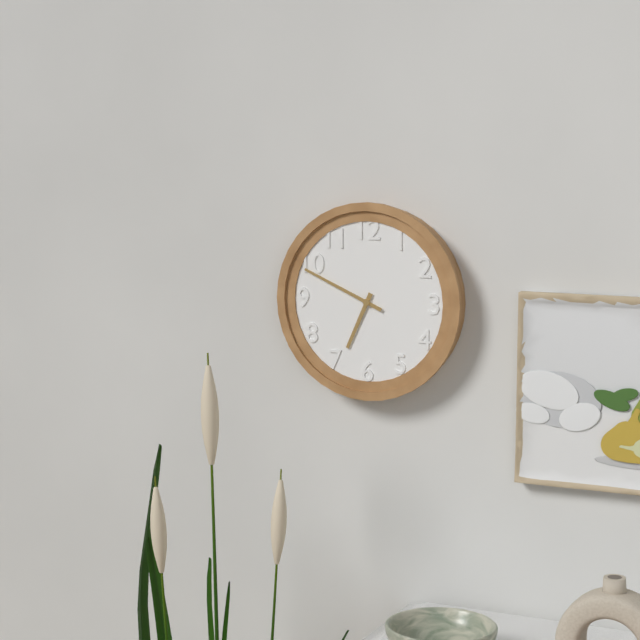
6:49
